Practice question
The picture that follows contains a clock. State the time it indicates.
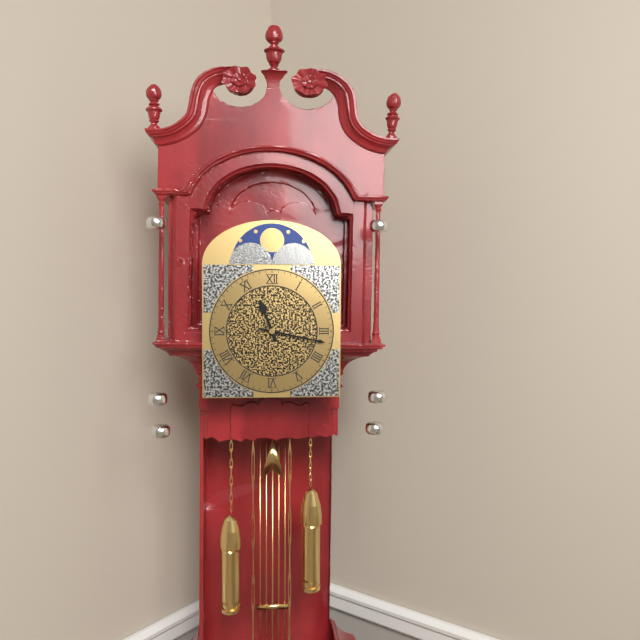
11:17
